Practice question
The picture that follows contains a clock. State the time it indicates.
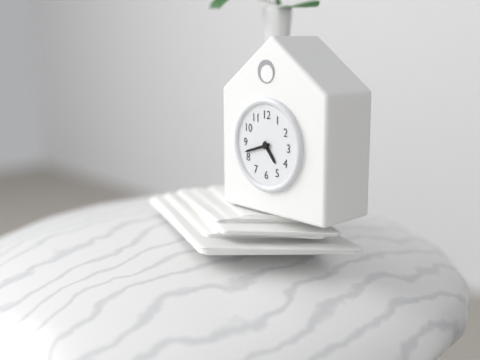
4:42
